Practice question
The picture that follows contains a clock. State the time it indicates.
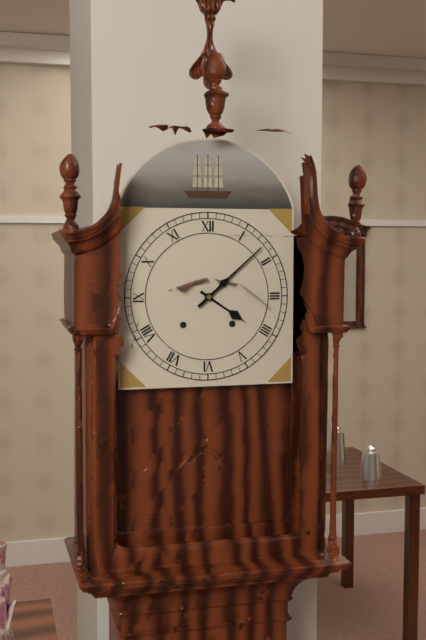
4:08
